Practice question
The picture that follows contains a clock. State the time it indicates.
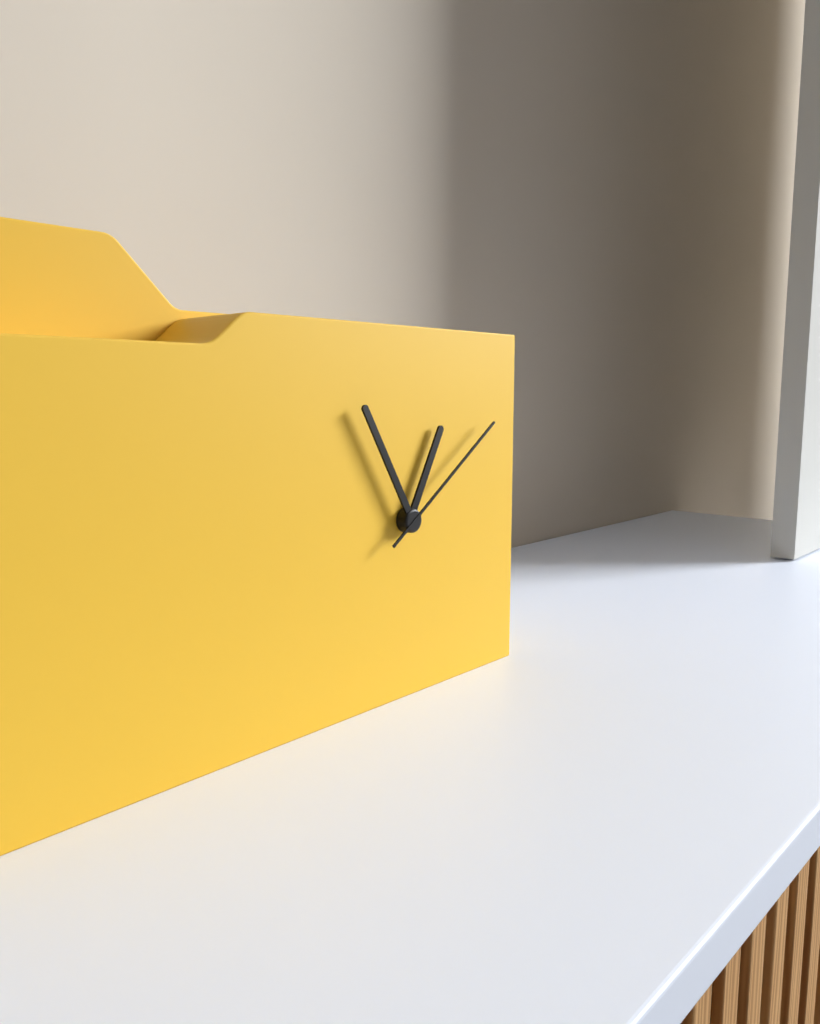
12:55:09
